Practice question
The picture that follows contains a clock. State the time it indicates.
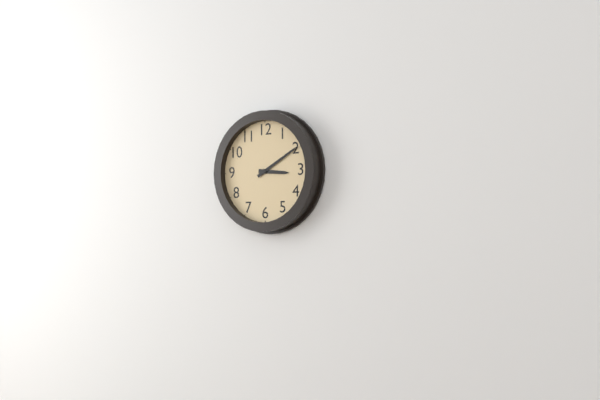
3:10
